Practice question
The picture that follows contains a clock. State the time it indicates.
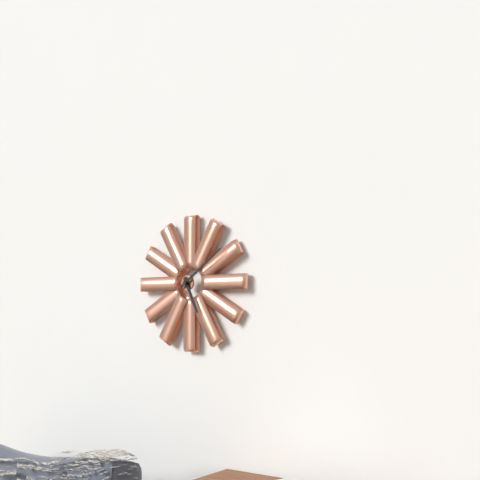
5:09
